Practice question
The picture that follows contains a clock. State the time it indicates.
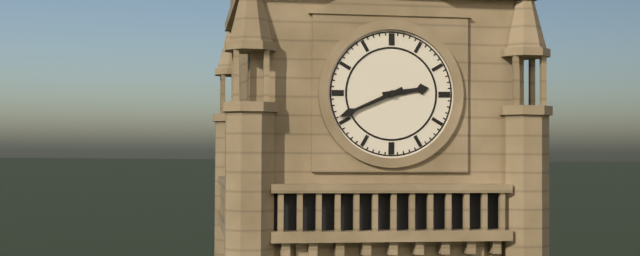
2:41
